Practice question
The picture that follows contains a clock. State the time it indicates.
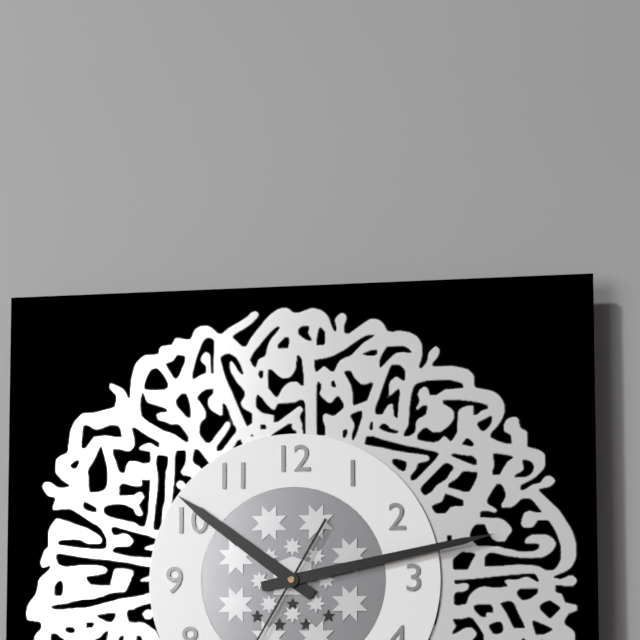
10:13
